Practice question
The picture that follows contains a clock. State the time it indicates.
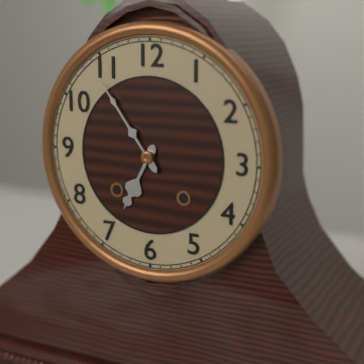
6:54
